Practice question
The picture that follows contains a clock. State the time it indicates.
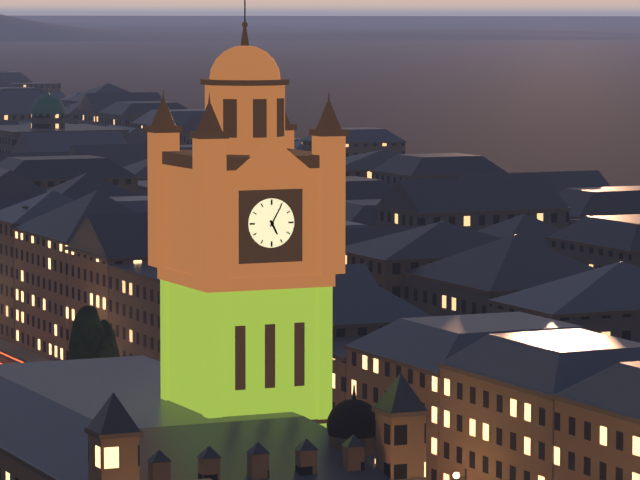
5:05
